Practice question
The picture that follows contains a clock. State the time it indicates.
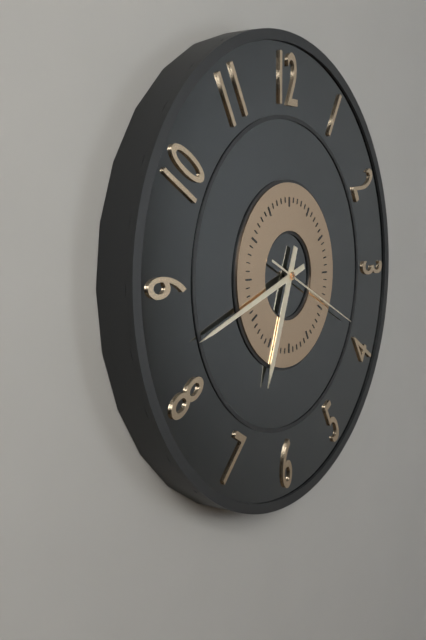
6:42:19
